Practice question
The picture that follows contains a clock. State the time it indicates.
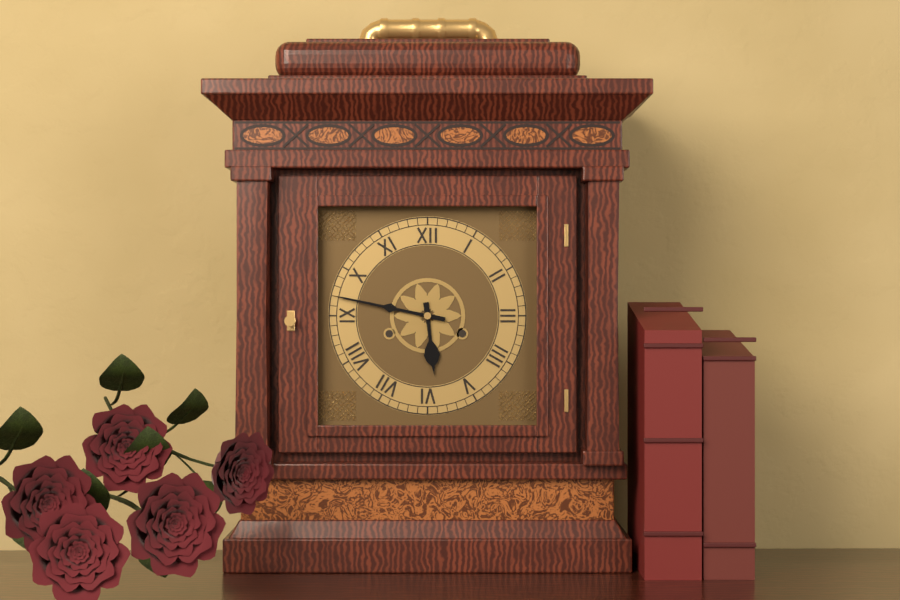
5:47
